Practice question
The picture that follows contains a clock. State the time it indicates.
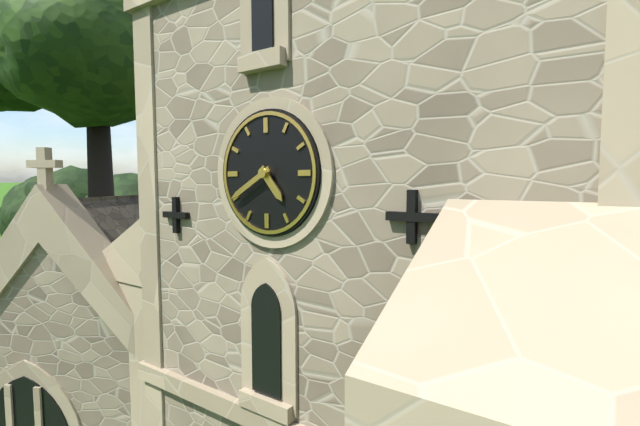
4:40
